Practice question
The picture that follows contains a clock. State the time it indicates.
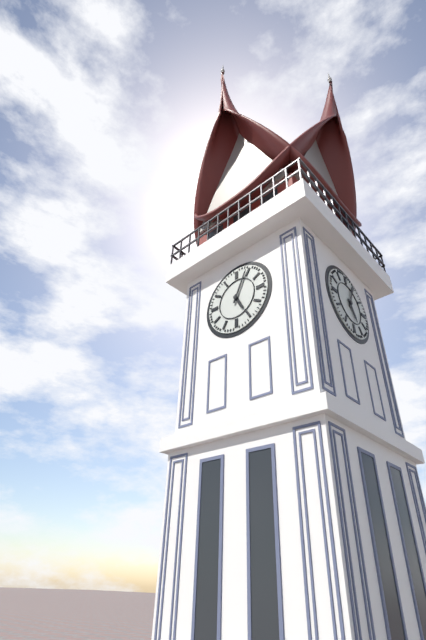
5:04
